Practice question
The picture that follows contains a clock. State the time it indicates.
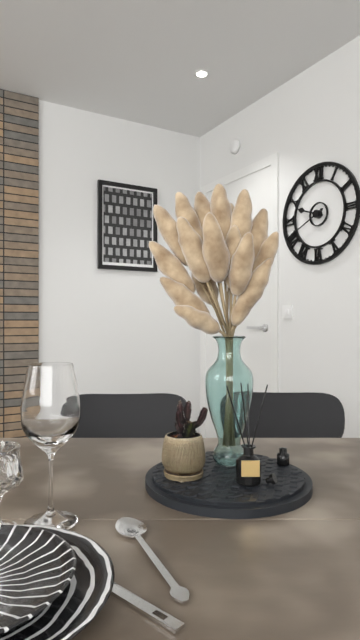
9:41
